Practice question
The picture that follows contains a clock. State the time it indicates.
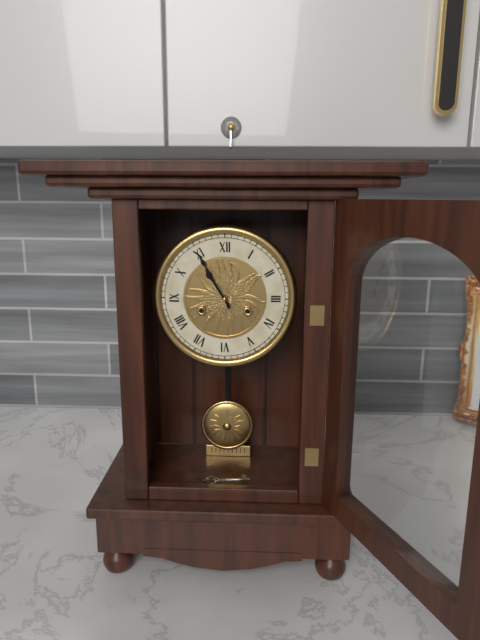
10:55
